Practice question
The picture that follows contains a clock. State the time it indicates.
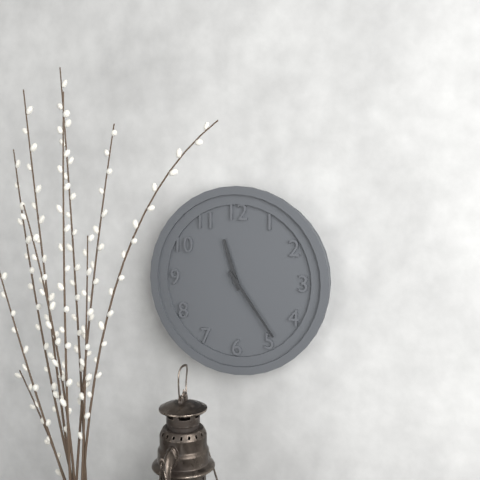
11:24
